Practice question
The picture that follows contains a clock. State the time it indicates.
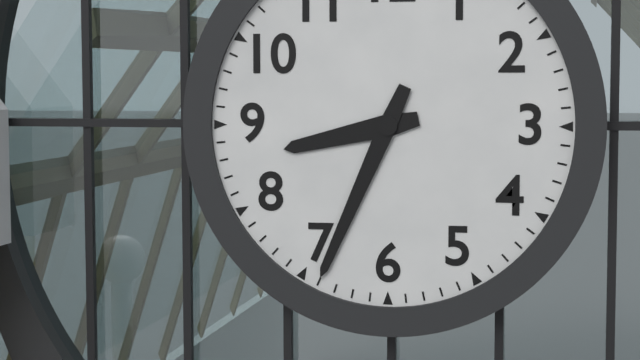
8:34
